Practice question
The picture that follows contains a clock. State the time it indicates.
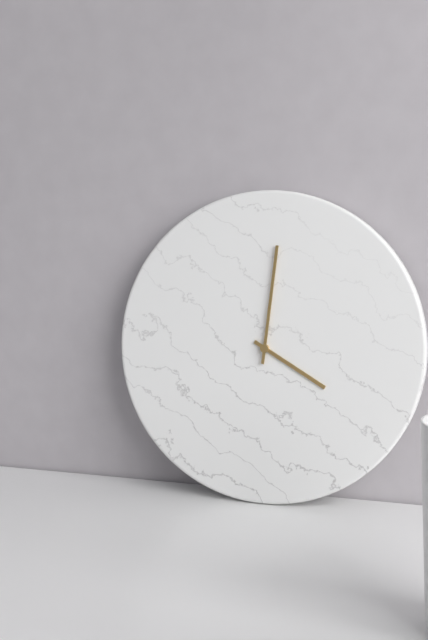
4:01
